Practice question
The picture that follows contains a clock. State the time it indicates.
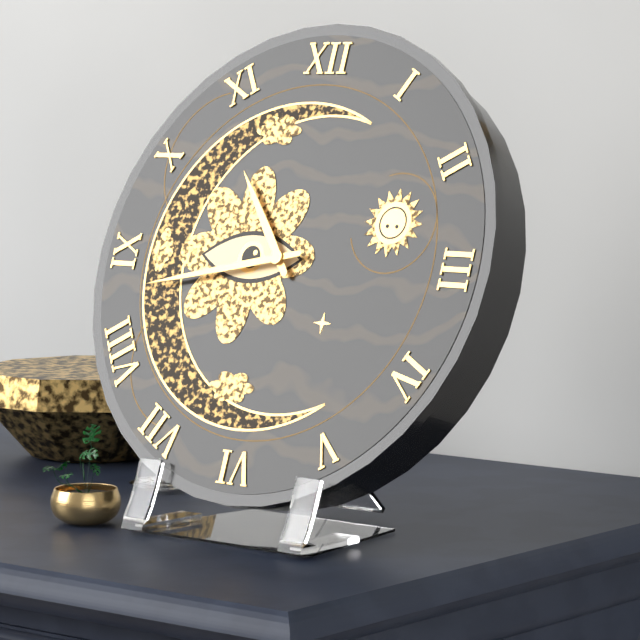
10:43
